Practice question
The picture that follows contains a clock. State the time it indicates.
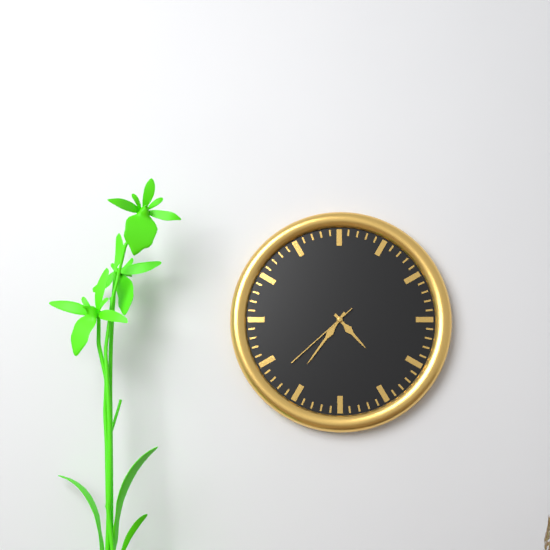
4:36:38
